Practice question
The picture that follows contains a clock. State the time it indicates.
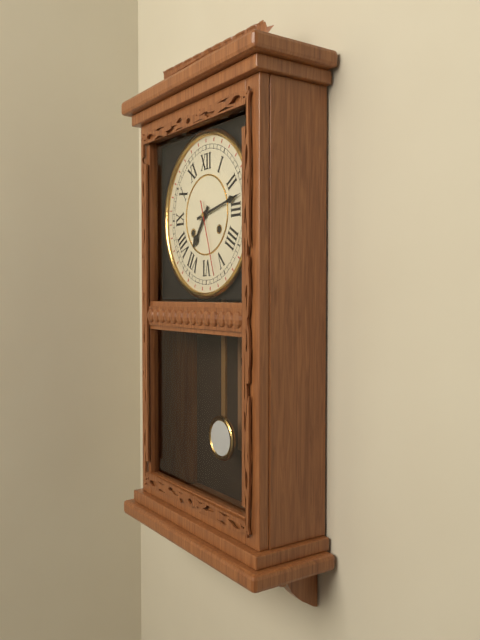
7:13:27
